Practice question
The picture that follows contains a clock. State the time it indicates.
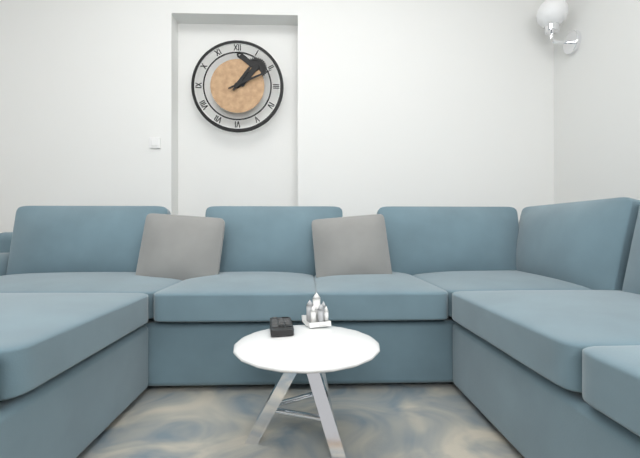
1:11
